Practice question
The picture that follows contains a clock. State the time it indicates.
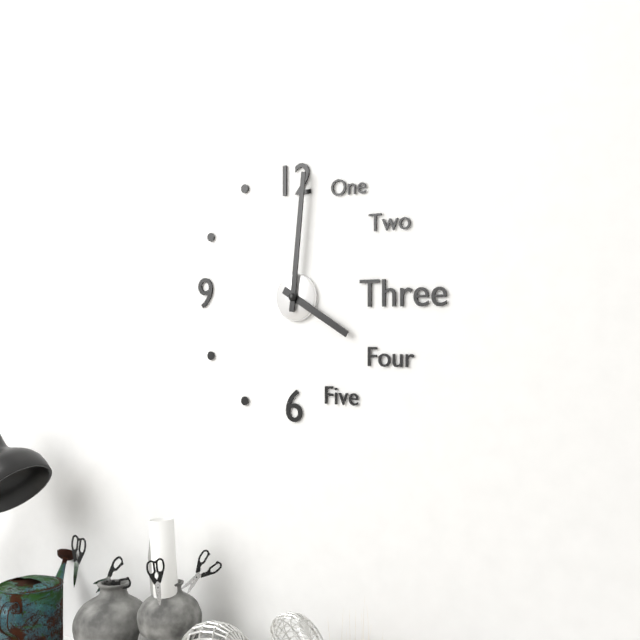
4:01
